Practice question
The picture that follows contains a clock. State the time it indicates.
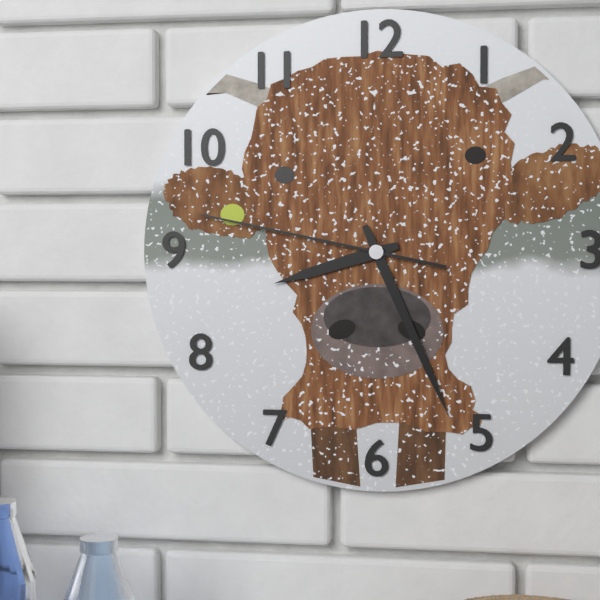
8:26:47
